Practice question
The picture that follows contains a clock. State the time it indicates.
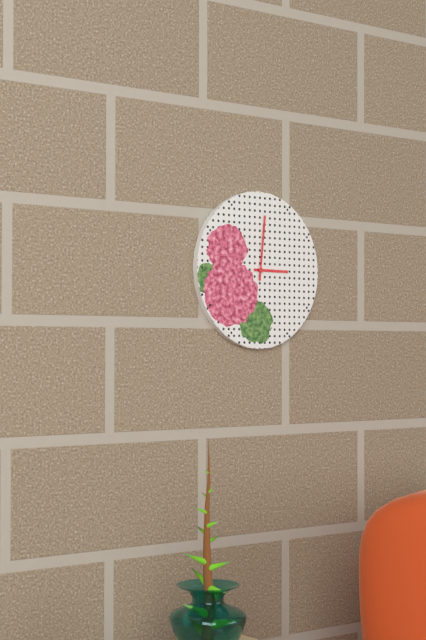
3:01
